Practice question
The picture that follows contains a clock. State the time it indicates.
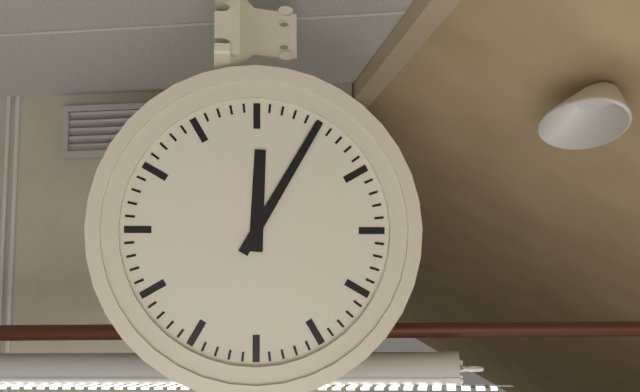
12:05
